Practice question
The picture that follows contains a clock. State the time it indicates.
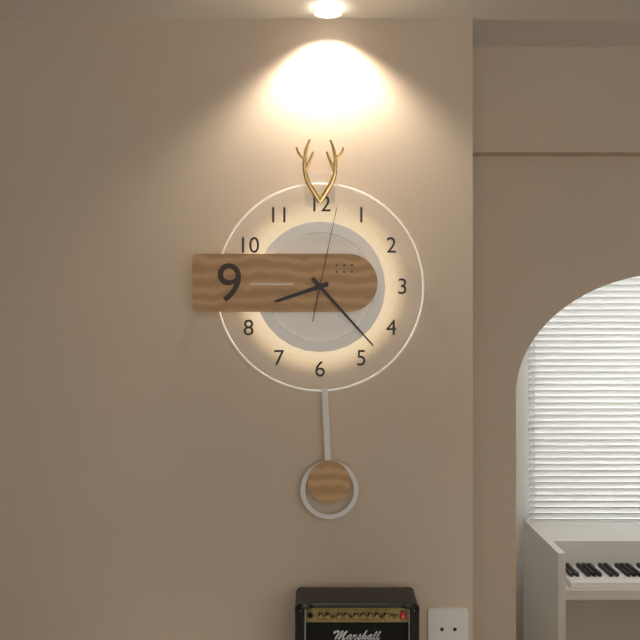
8:23:02
